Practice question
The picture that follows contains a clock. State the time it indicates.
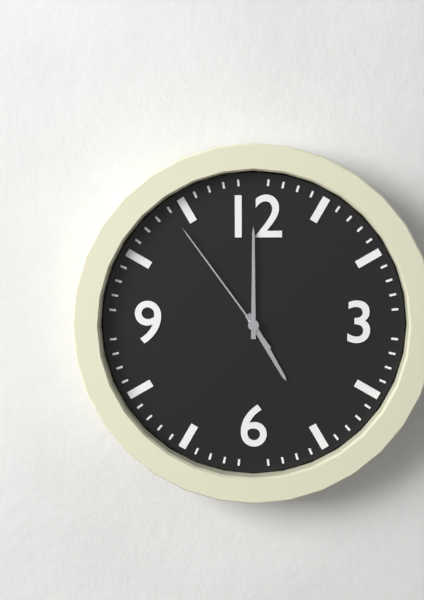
5:00:54
